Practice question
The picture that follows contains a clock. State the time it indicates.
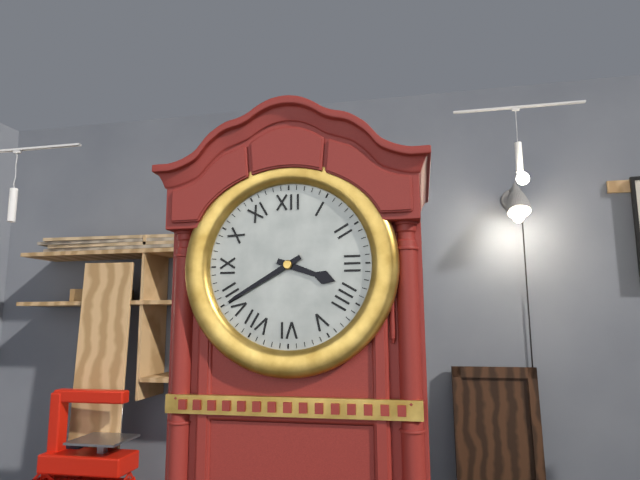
3:40
